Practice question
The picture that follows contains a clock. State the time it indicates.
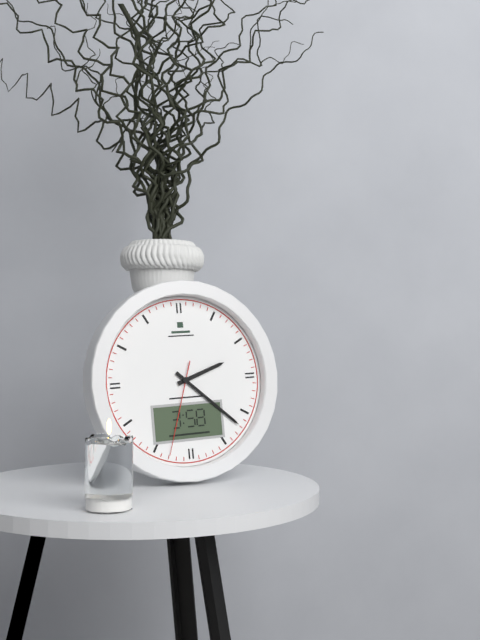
2:22:33
